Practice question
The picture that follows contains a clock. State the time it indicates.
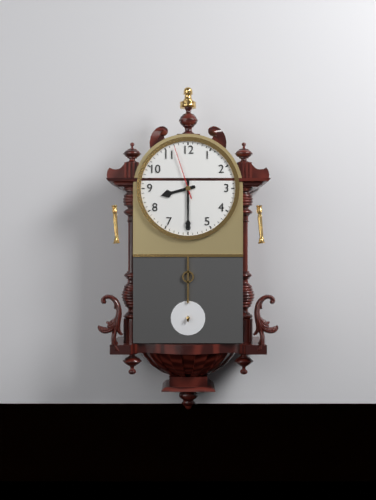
8:30:57
